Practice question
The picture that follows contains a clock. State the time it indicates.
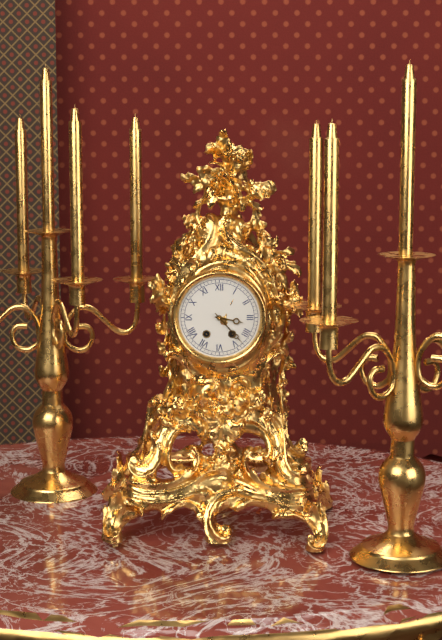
3:23
